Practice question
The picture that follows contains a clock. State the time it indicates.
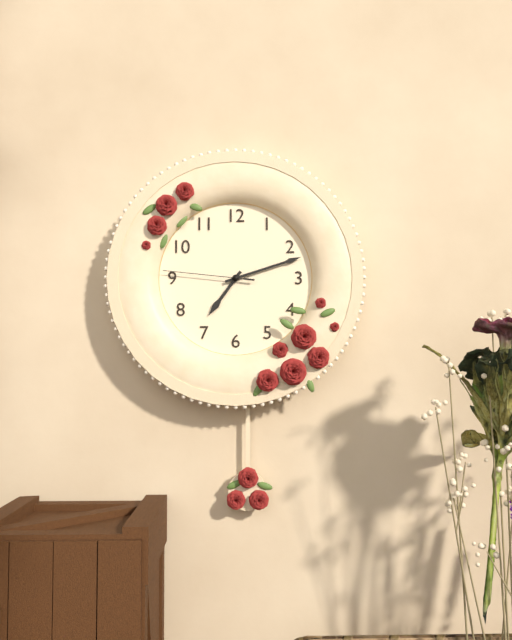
7:12:46
